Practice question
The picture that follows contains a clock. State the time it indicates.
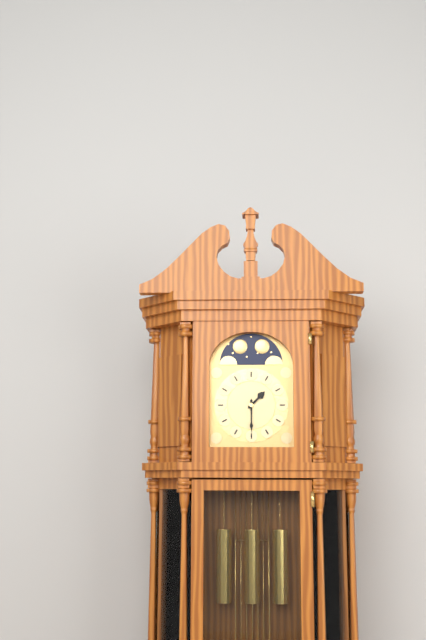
1:30
